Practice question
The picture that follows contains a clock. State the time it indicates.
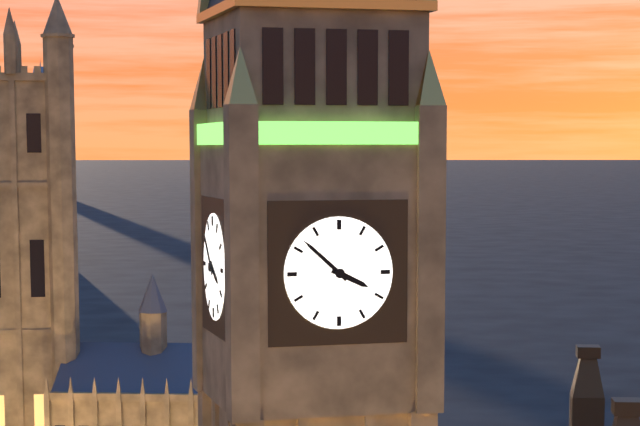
3:52
